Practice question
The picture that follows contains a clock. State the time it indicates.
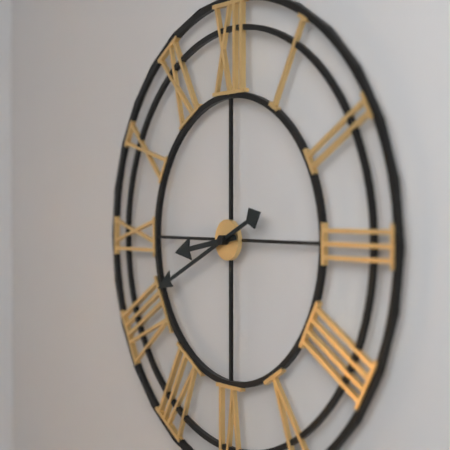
8:41
